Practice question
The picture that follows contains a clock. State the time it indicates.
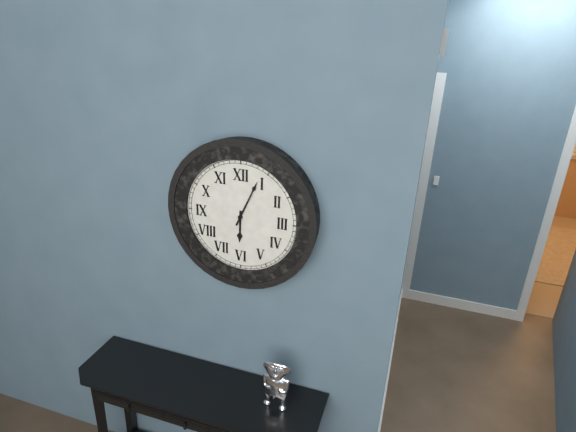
6:04
